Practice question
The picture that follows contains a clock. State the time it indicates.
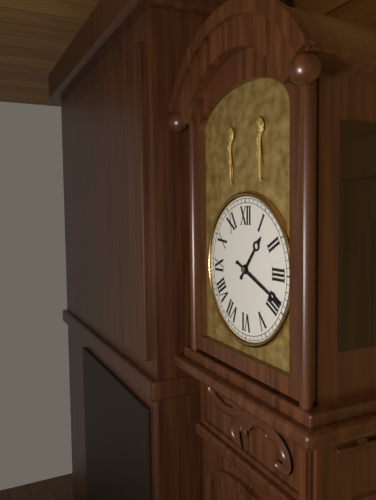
1:19
